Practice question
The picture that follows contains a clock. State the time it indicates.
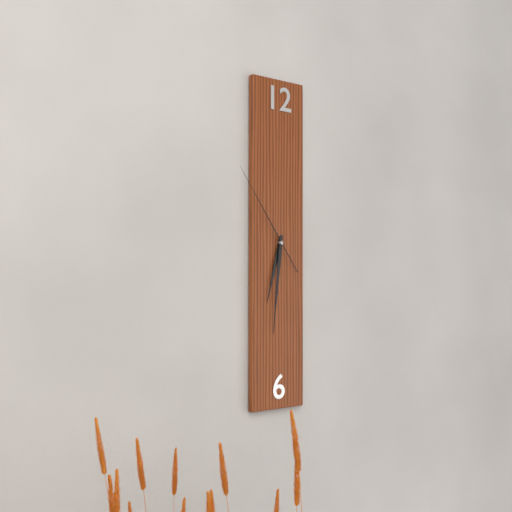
6:31:54
